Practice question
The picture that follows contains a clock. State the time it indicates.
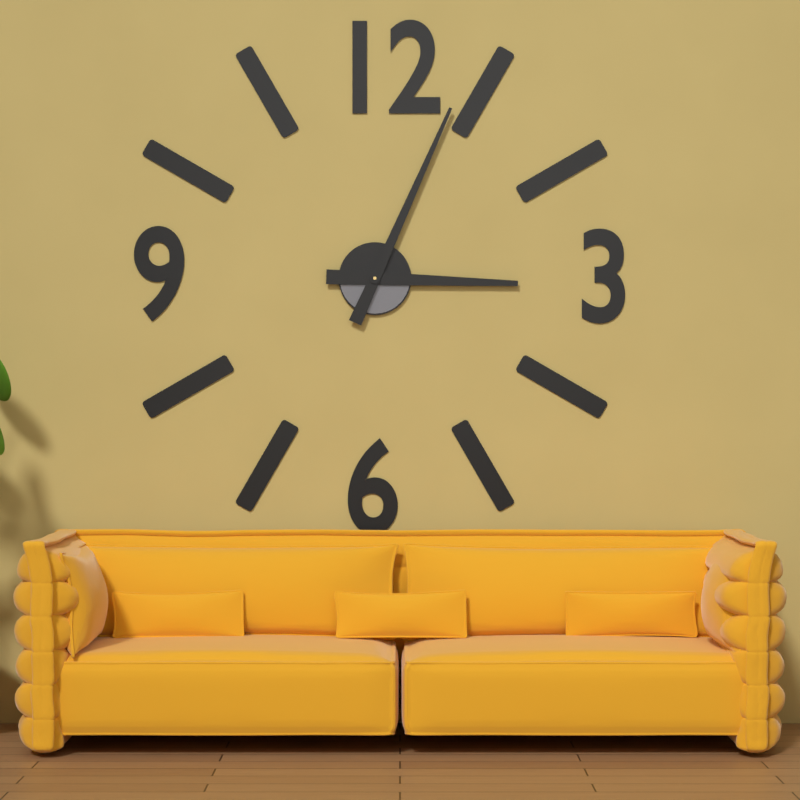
3:04
